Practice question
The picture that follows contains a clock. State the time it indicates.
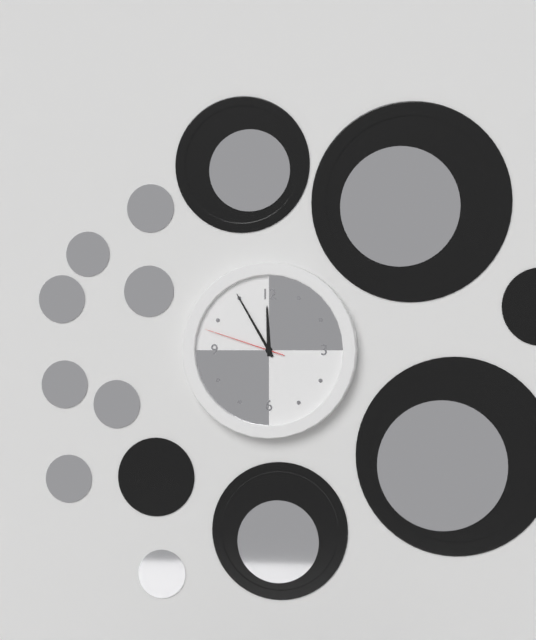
11:55:48
